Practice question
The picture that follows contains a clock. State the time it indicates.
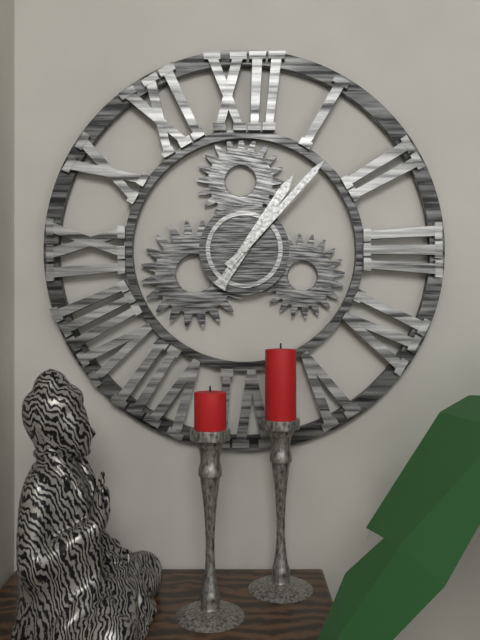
1:07
